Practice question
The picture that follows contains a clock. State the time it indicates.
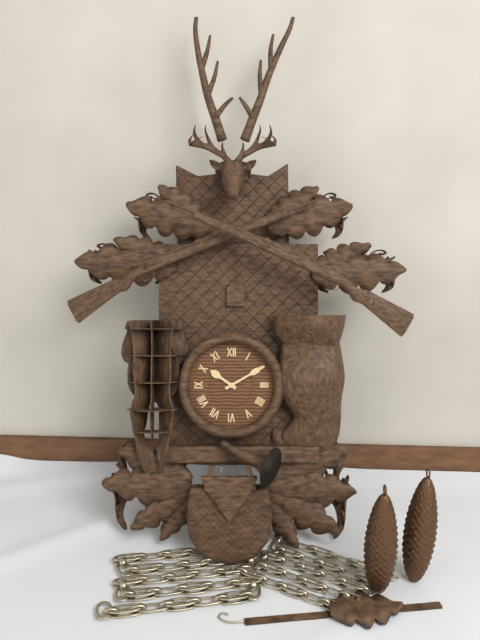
10:10
